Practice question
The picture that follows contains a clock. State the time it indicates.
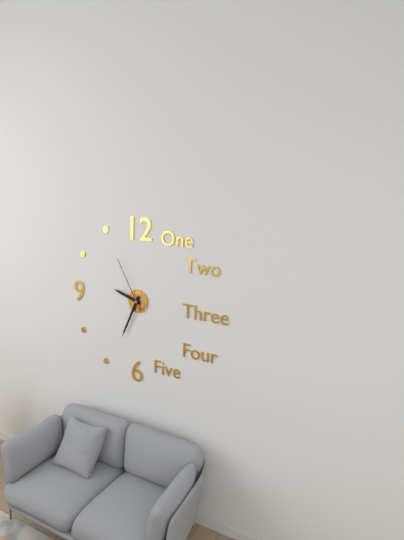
9:34:55
